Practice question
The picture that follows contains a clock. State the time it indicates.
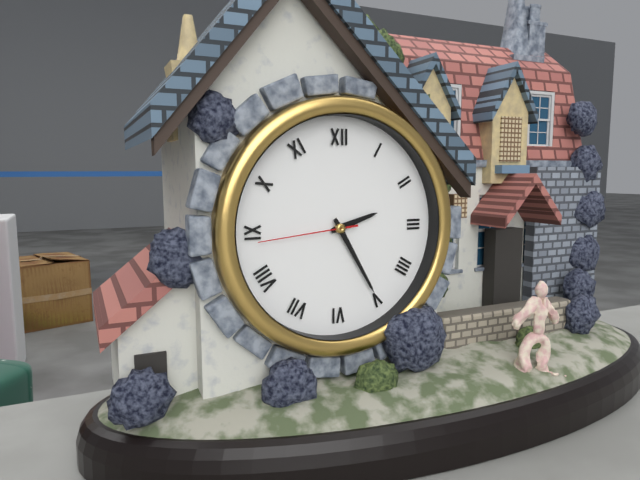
2:25:44
